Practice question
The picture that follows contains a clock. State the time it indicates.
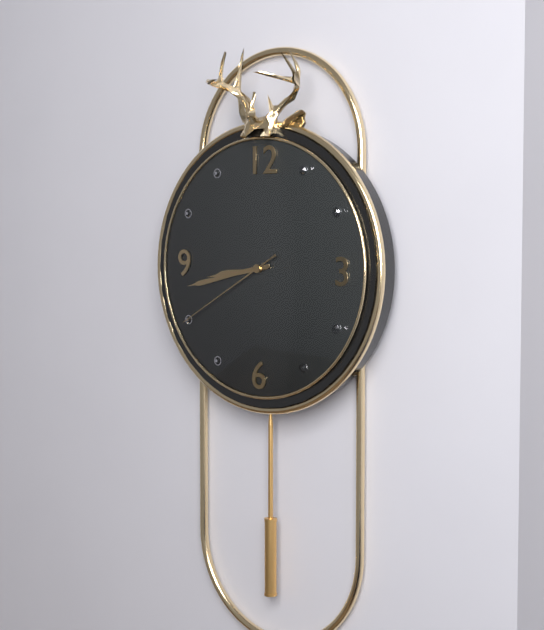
8:43:40
